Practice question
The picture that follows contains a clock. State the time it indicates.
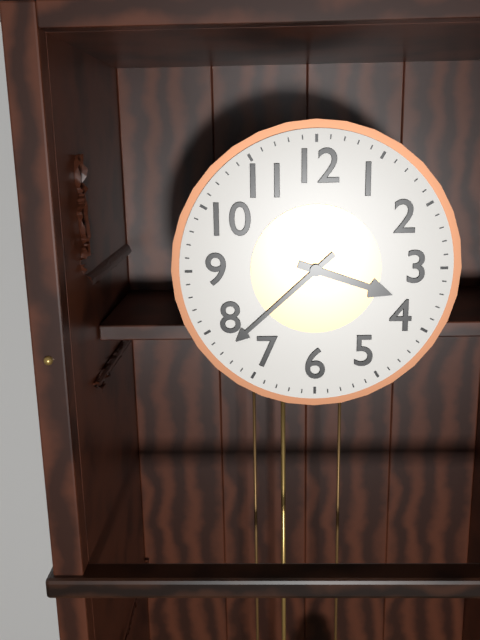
3:38
